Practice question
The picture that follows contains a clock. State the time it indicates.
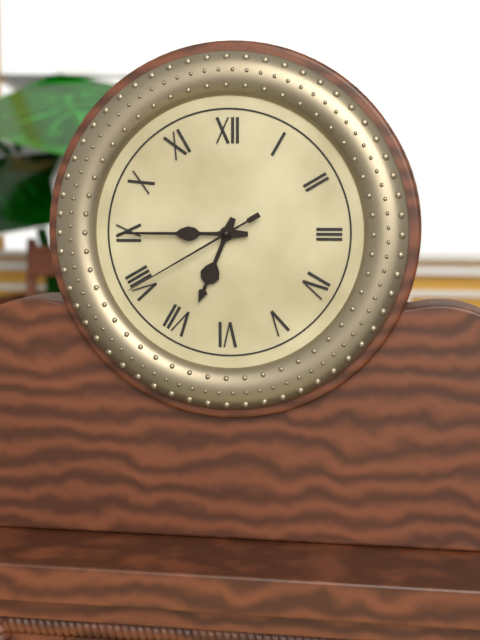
6:45:40
